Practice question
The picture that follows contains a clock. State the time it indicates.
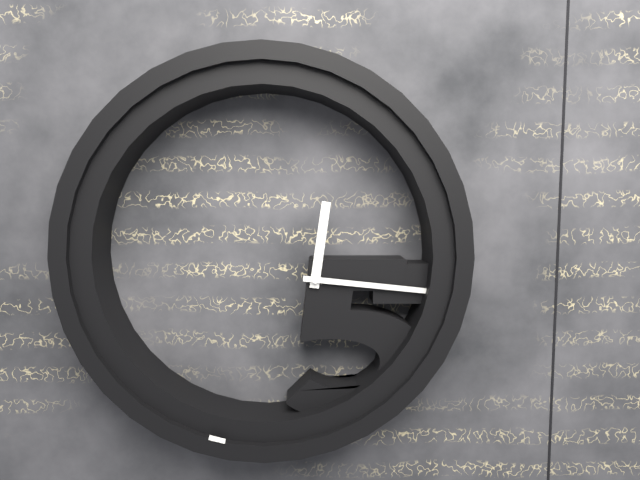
12:16
